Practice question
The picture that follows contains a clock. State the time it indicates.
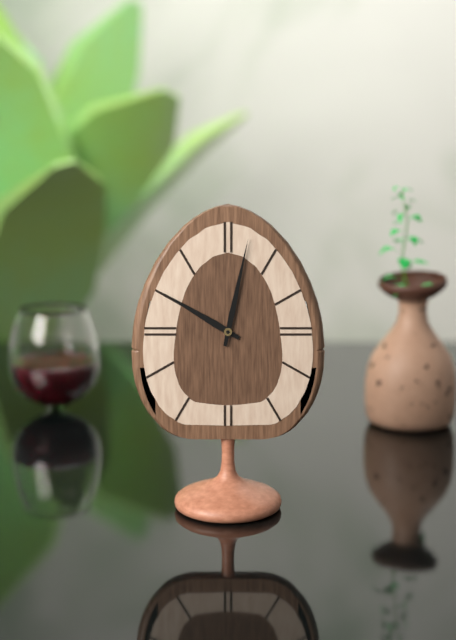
10:02
